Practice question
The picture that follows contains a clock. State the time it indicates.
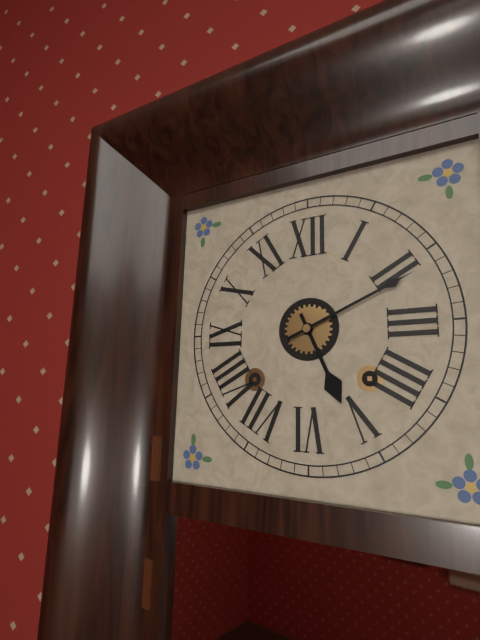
5:11
